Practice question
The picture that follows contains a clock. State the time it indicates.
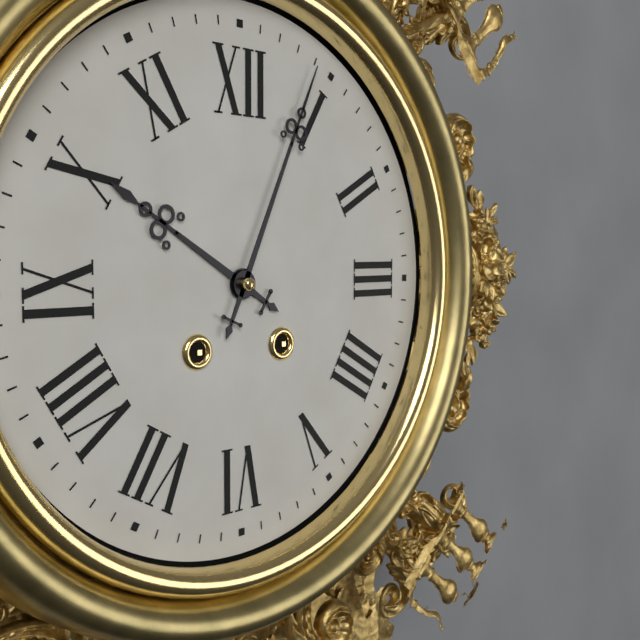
10:04
